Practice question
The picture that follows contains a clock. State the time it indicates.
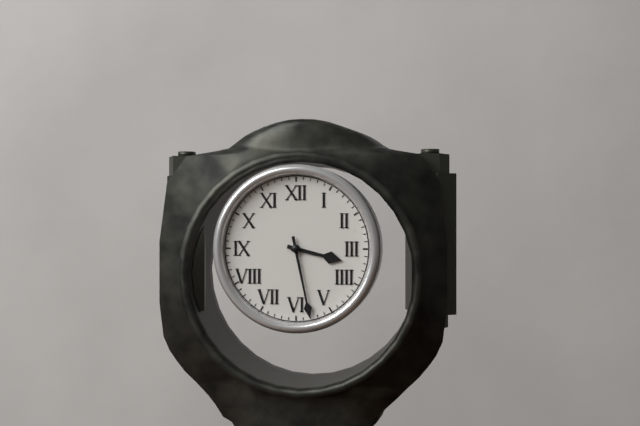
3:28
